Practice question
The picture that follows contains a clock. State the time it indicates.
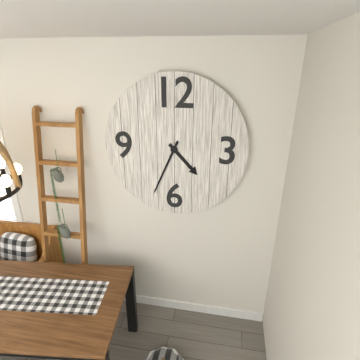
4:34
